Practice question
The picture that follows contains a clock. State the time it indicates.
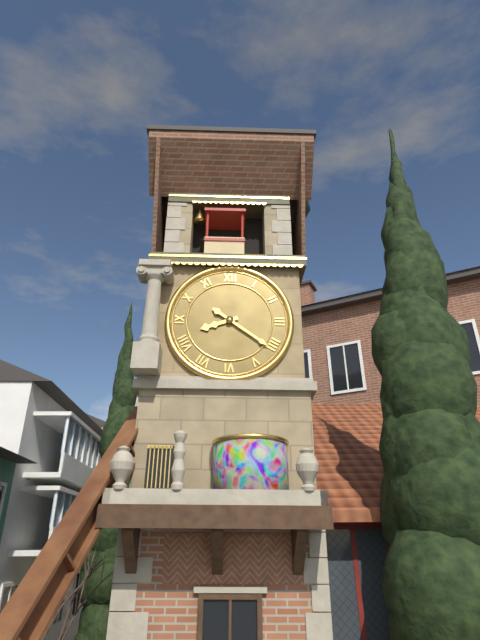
8:21
